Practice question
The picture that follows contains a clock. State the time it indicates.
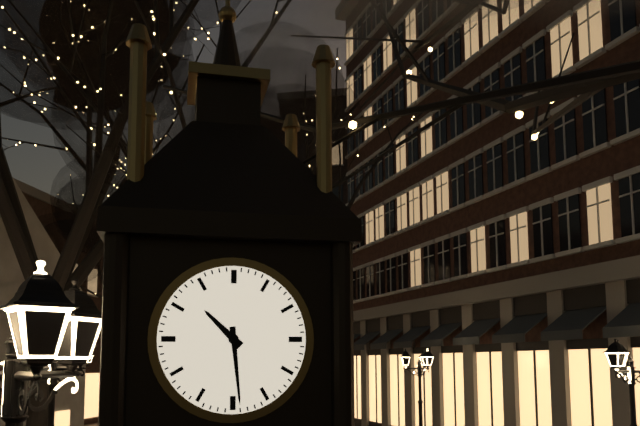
10:29
